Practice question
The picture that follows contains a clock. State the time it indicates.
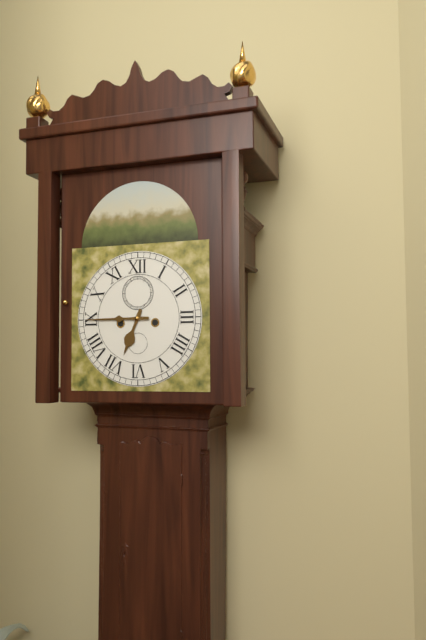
6:45
